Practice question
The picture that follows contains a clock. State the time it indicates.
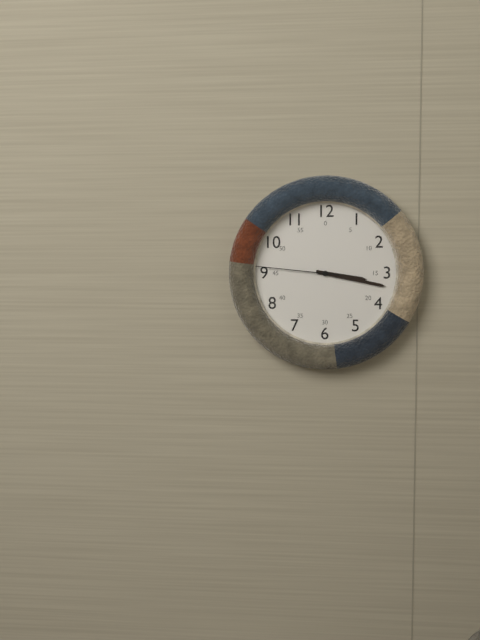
3:17:46
